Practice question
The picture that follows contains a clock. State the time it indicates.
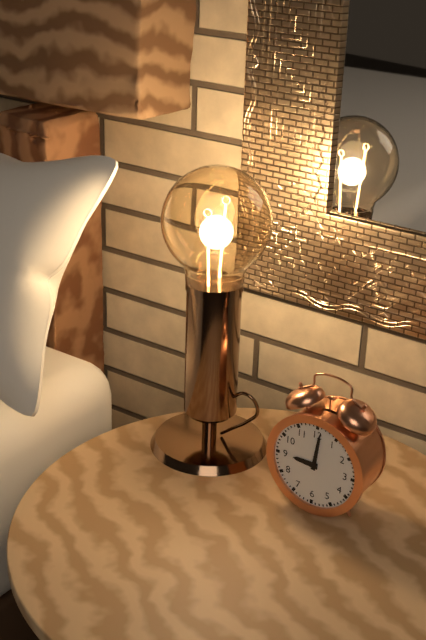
9:01
